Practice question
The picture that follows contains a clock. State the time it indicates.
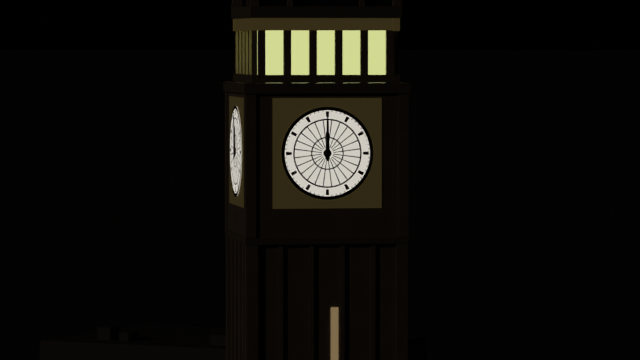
12:00
